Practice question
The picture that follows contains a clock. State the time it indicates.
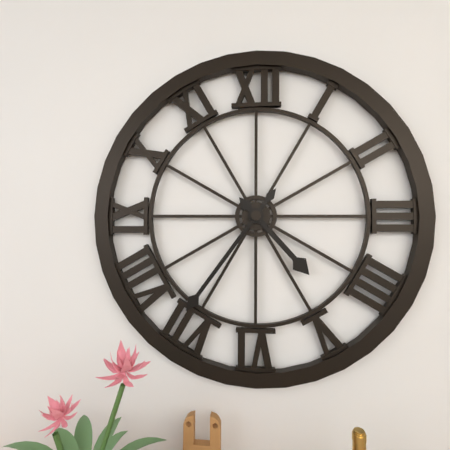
4:36
